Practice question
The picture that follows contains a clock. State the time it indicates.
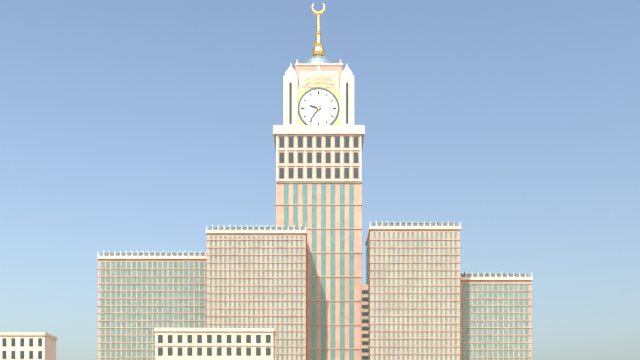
9:36
